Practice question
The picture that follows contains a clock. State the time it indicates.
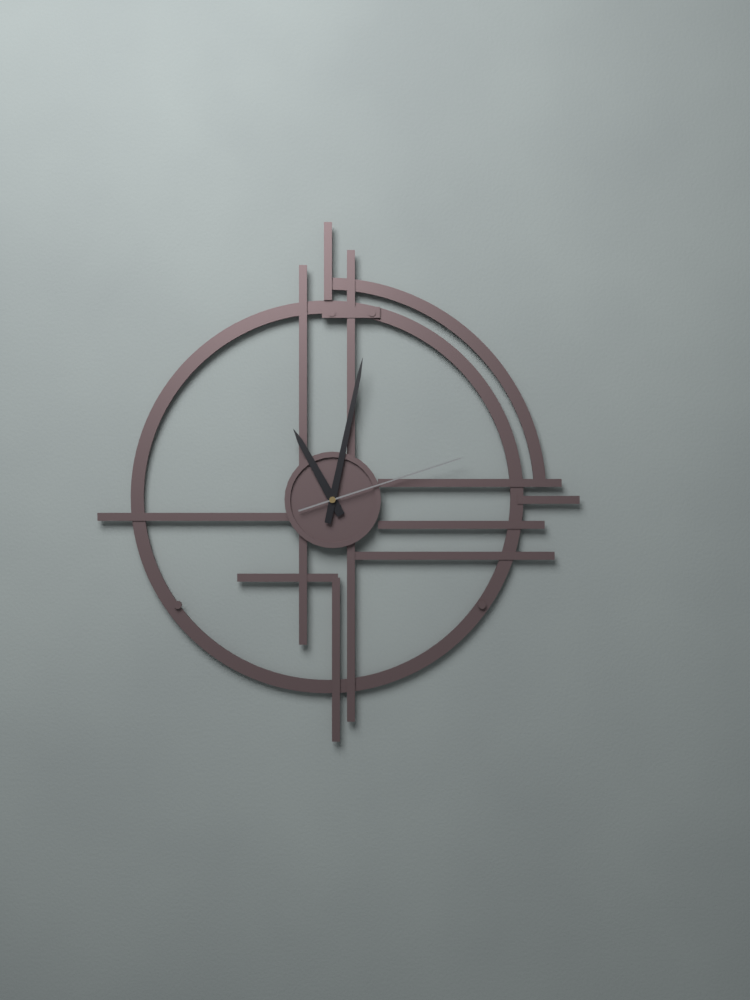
11:02:12
